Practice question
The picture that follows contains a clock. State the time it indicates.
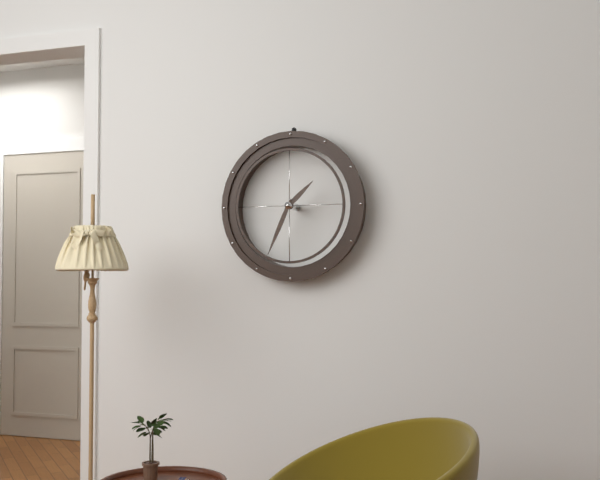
1:34
